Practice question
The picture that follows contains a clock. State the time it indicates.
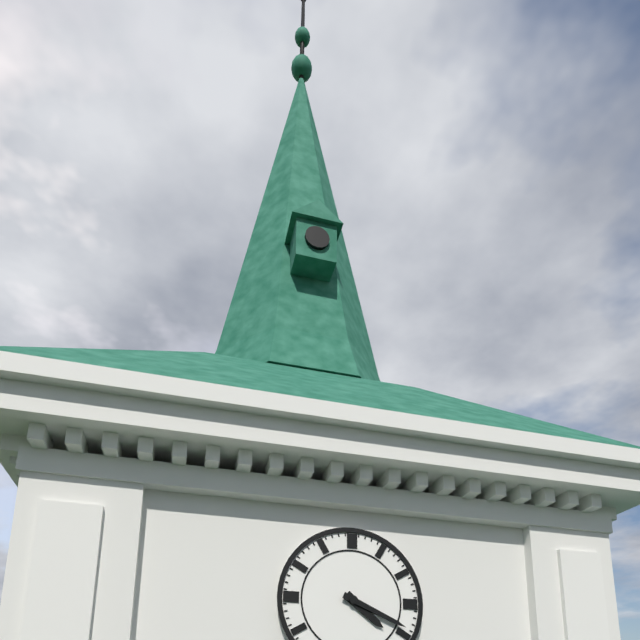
4:19
